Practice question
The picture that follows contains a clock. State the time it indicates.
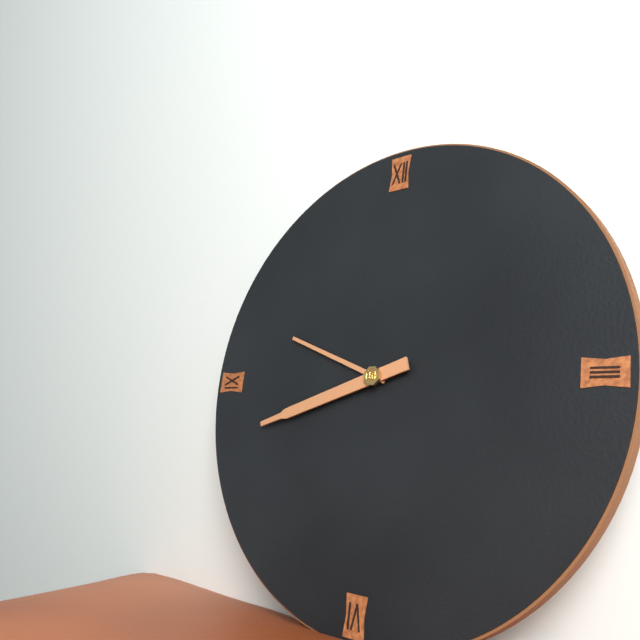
9:42
